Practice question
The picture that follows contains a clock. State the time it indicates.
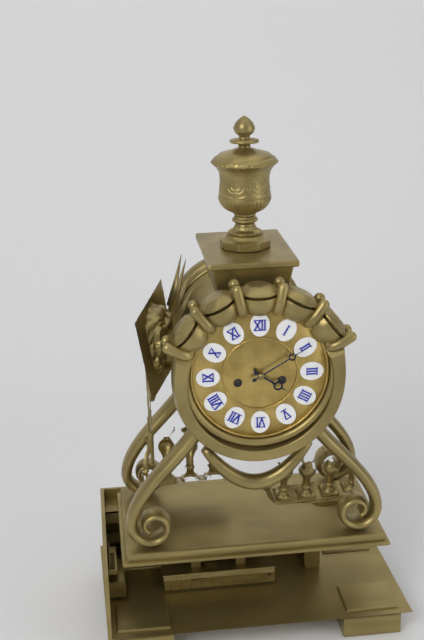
4:10
